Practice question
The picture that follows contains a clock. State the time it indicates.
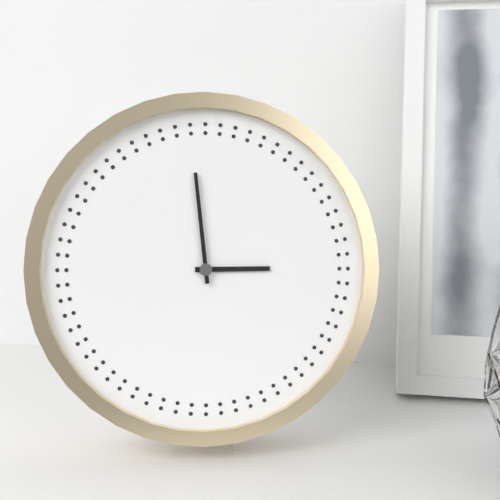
2:59
